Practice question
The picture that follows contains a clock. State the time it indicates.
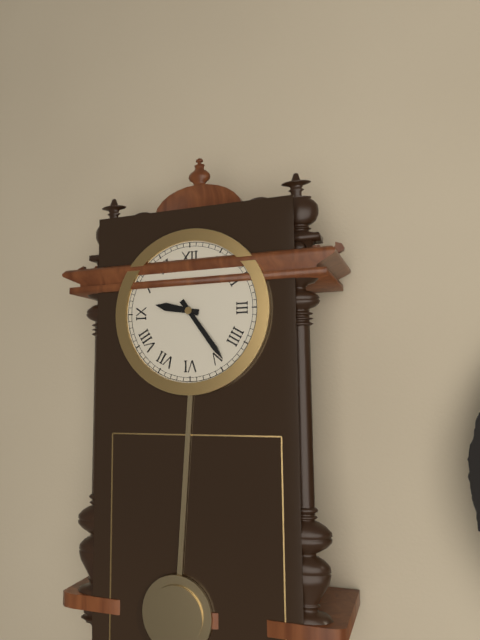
9:24
